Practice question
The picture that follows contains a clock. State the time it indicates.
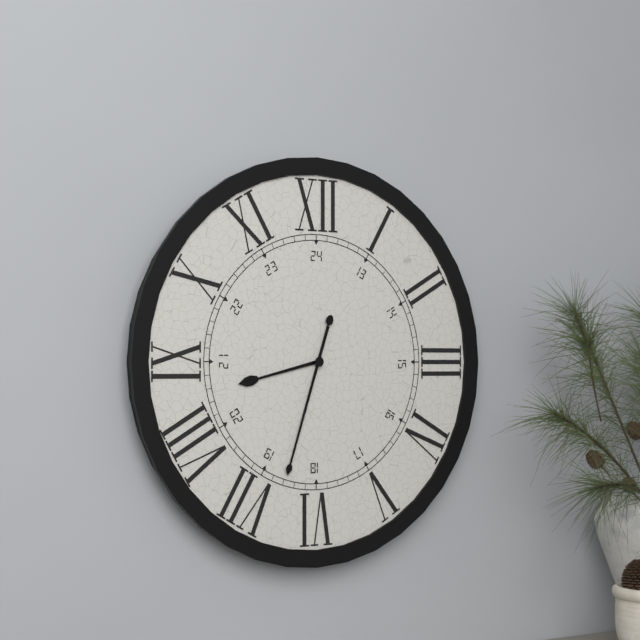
8:33
